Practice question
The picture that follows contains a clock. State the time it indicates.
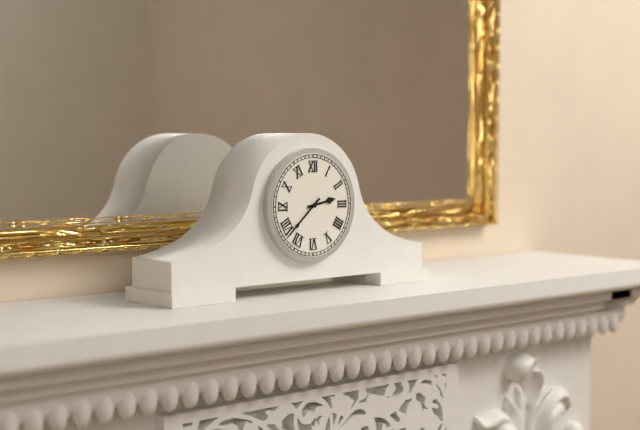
2:38
